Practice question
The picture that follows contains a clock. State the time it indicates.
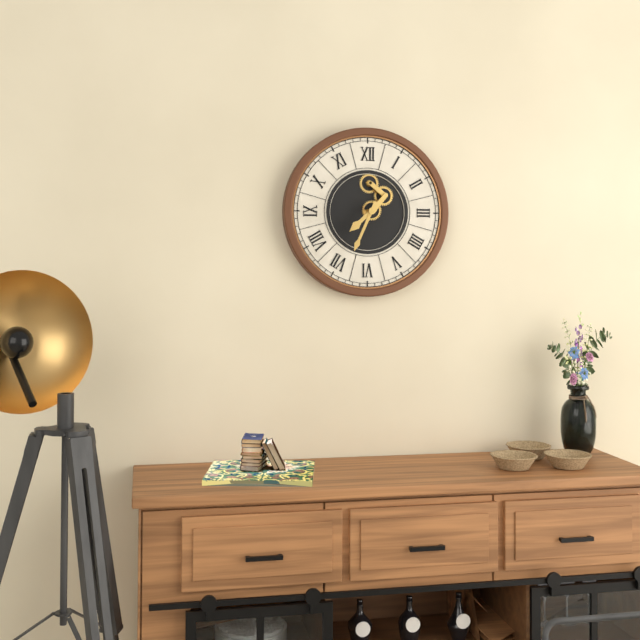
7:34
